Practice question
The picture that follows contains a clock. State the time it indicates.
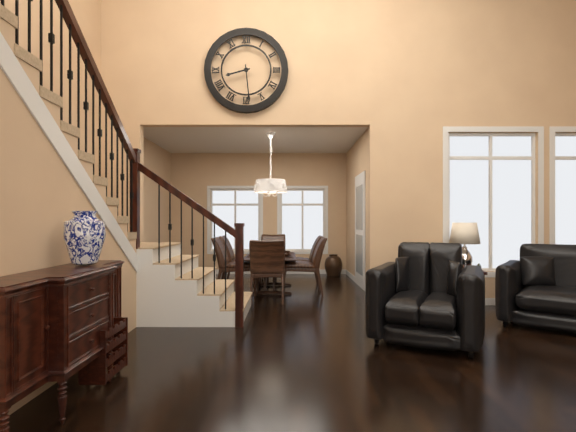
8:29
